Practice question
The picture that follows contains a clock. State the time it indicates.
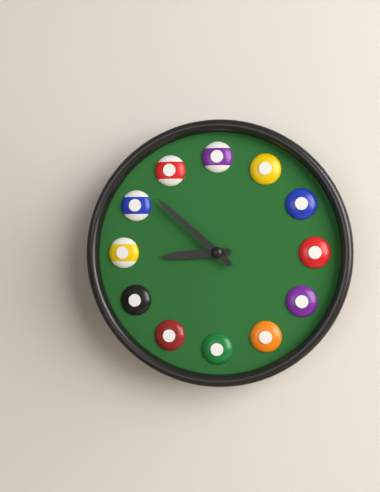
8:52
